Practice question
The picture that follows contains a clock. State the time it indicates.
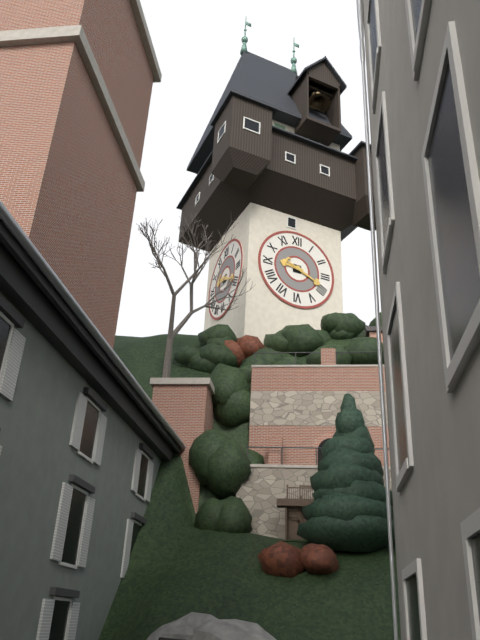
9:19
